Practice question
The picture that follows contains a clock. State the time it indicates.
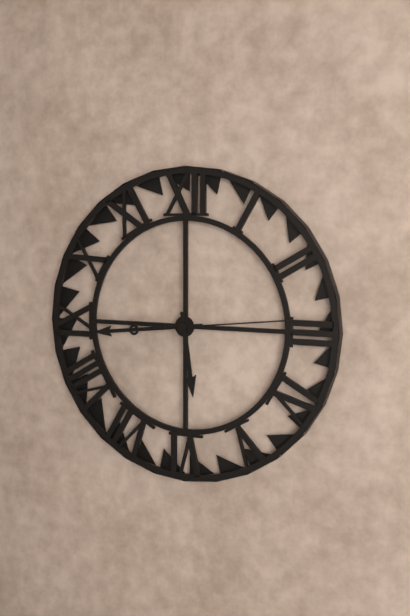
5:44:14
